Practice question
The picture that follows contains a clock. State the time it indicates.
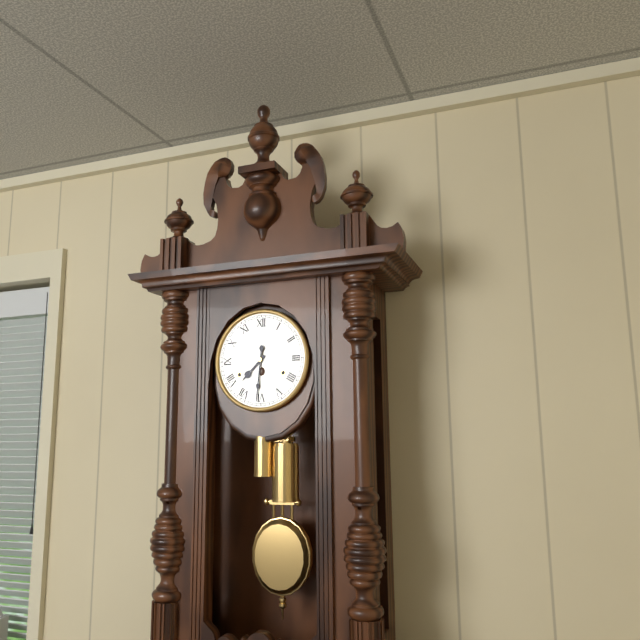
7:31
